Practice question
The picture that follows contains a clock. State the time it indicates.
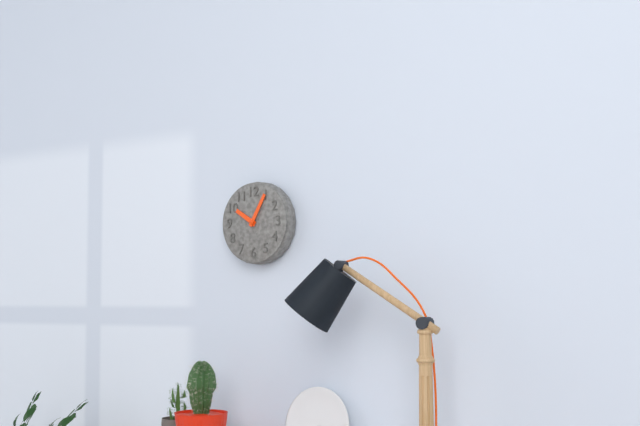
10:05
